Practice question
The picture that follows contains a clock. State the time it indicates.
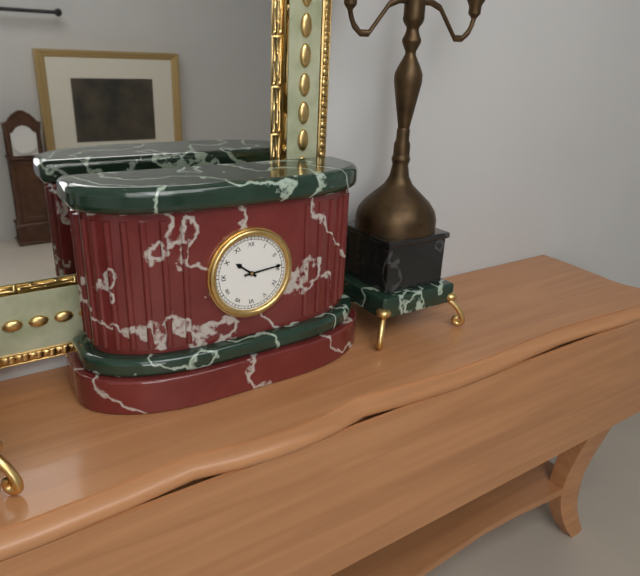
10:14
